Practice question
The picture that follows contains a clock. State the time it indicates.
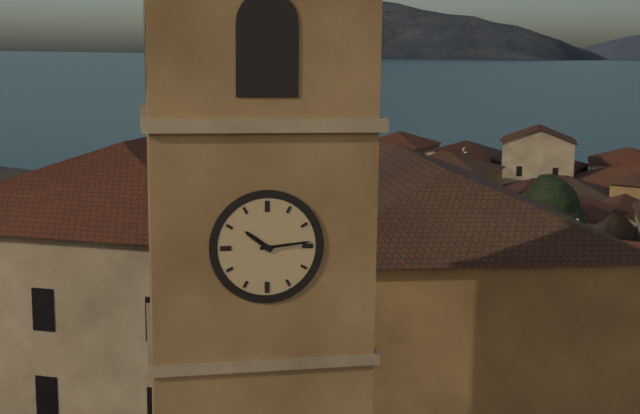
10:14
